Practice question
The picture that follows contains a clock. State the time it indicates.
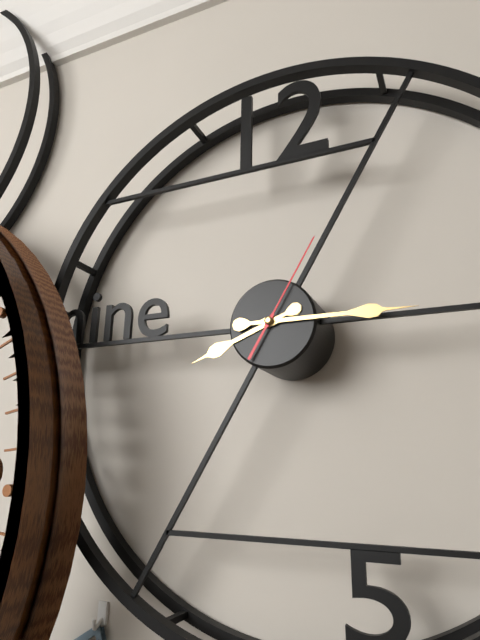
8:15:05
